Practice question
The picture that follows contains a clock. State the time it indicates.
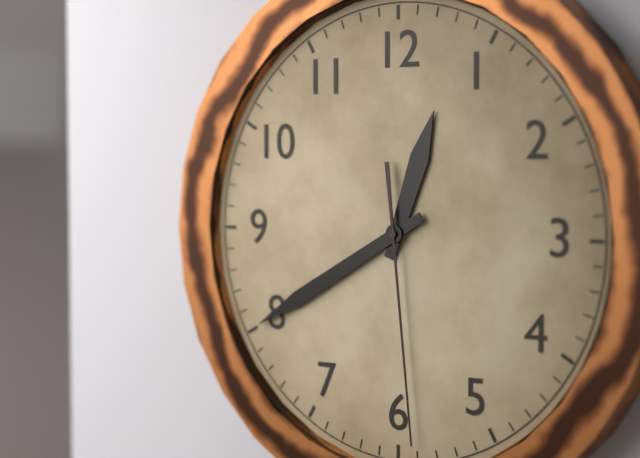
12:40:29
